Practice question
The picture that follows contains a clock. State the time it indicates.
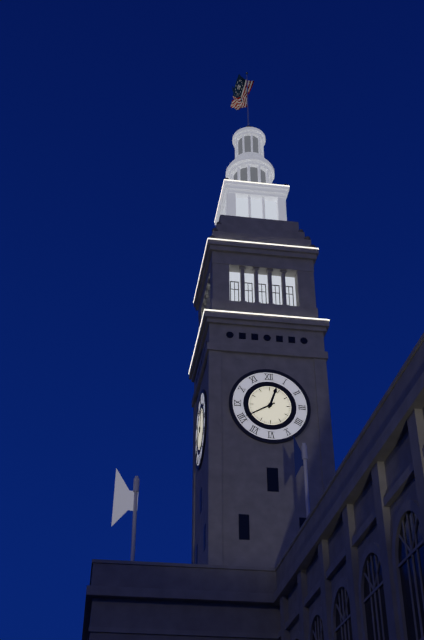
12:40
